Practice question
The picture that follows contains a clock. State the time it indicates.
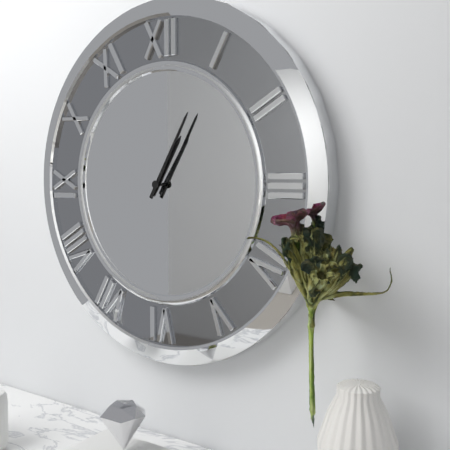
1:05
